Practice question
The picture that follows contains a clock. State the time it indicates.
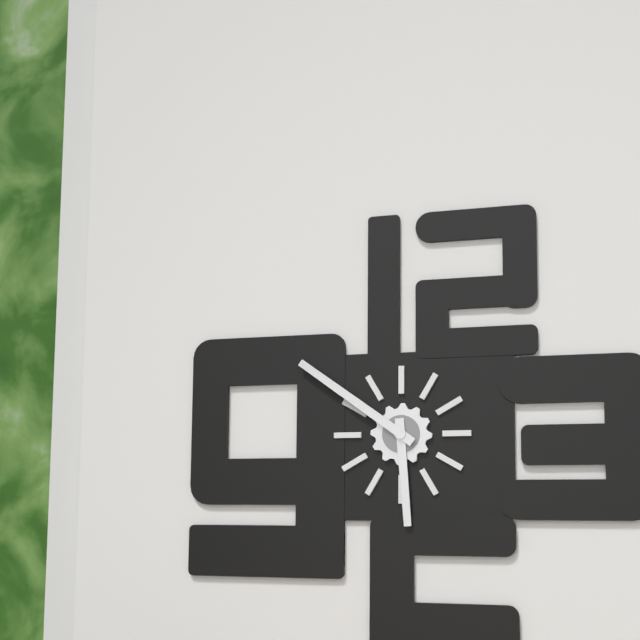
5:51
